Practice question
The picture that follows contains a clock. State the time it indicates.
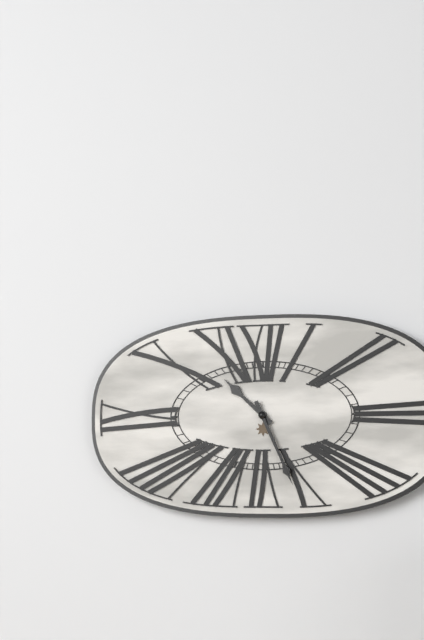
10:26
